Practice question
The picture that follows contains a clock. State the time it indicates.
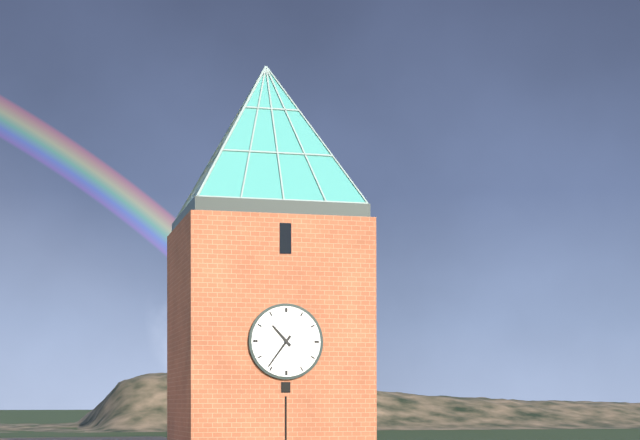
10:36
